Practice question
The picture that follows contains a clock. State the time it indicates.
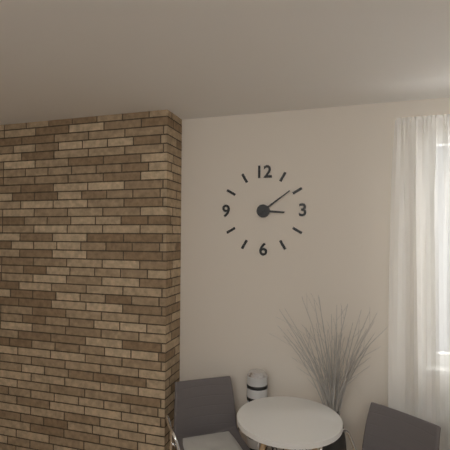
3:09
